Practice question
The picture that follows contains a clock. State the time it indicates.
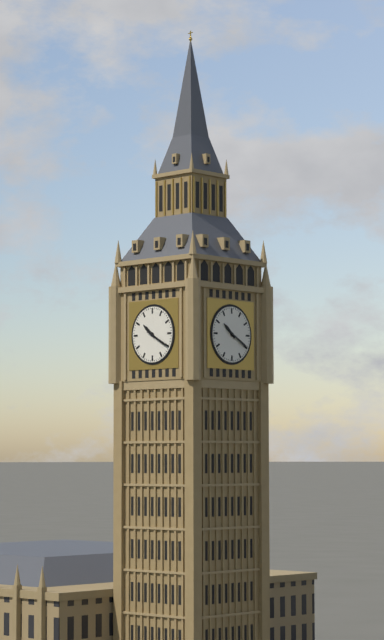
10:20
